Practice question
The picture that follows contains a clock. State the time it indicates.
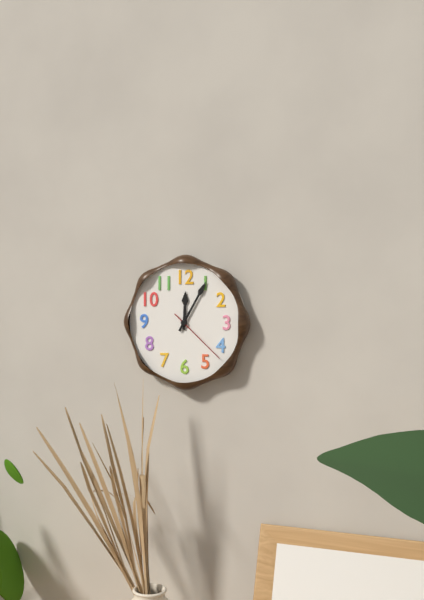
12:05:22
